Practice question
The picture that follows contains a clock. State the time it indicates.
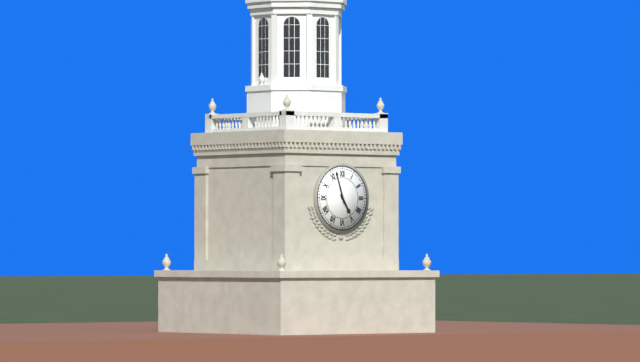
4:57
